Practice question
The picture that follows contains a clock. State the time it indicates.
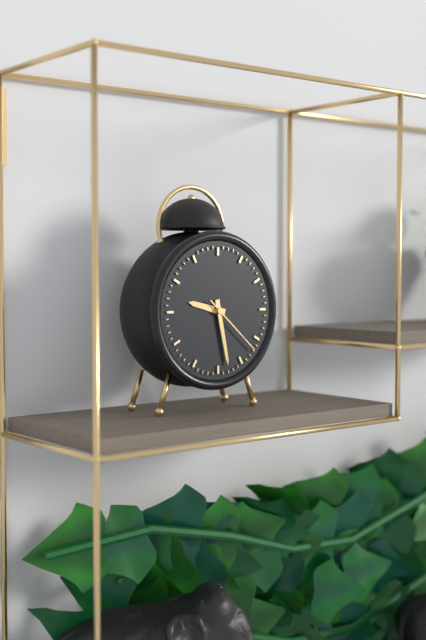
9:28:22
